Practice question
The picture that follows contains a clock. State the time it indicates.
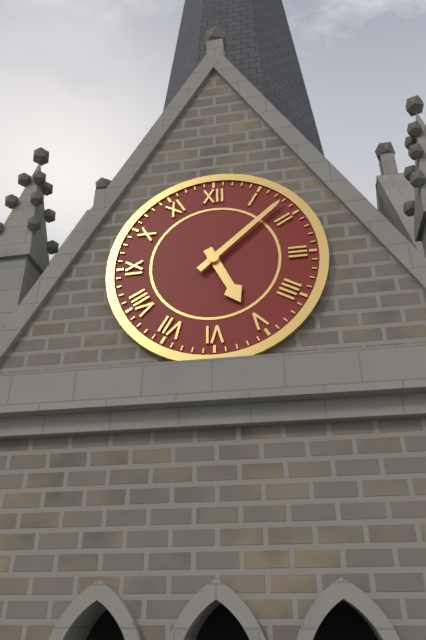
5:08
